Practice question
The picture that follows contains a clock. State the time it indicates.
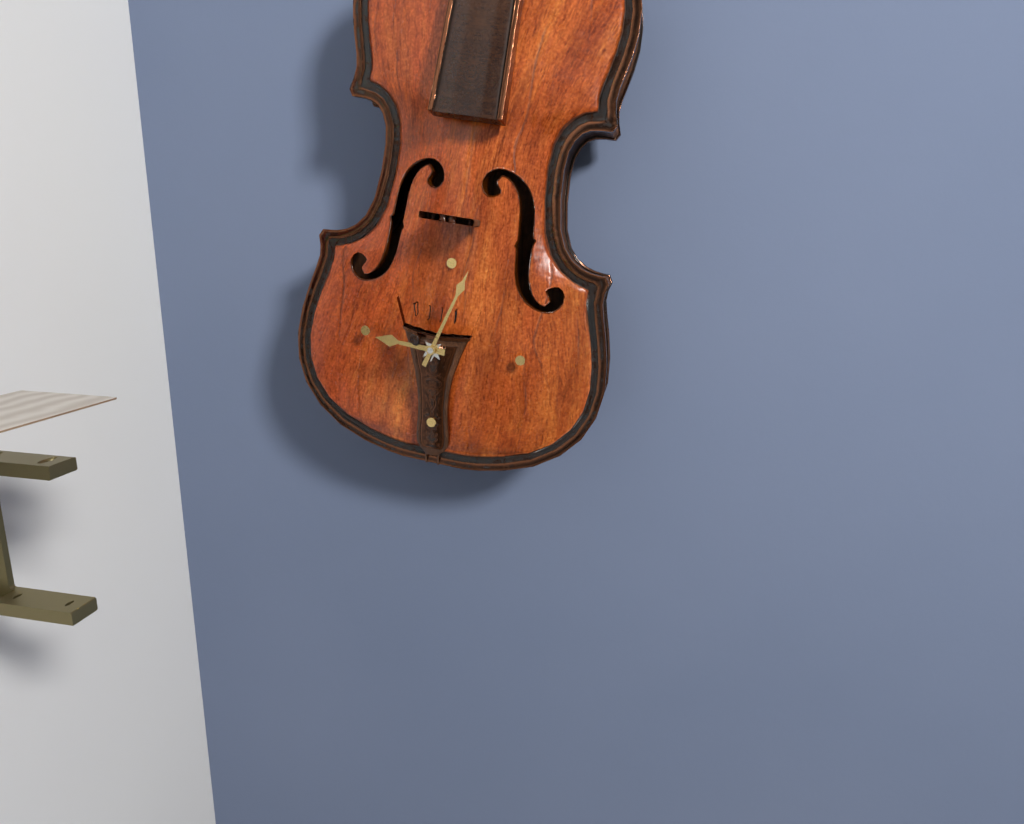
9:03
